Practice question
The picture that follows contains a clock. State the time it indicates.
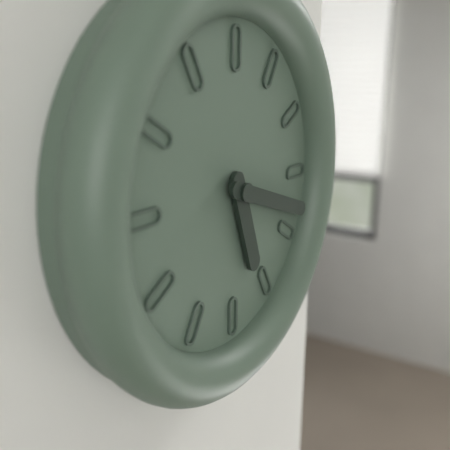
5:18
